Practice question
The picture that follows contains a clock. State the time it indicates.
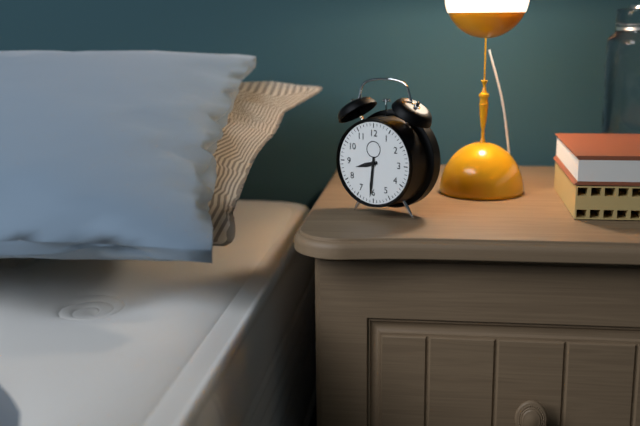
8:31
